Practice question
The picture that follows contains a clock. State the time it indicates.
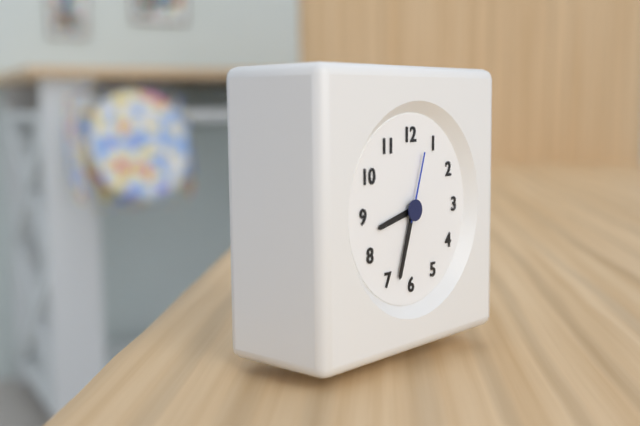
8:33:03
